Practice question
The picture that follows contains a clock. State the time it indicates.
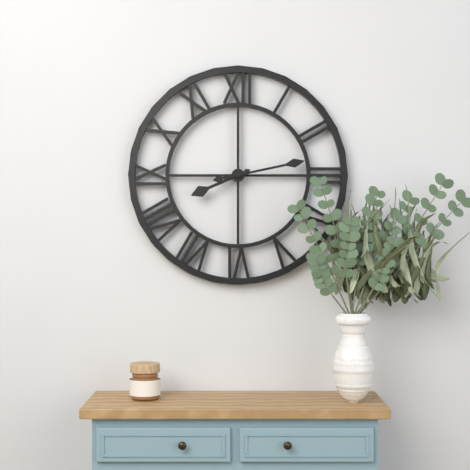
8:13
